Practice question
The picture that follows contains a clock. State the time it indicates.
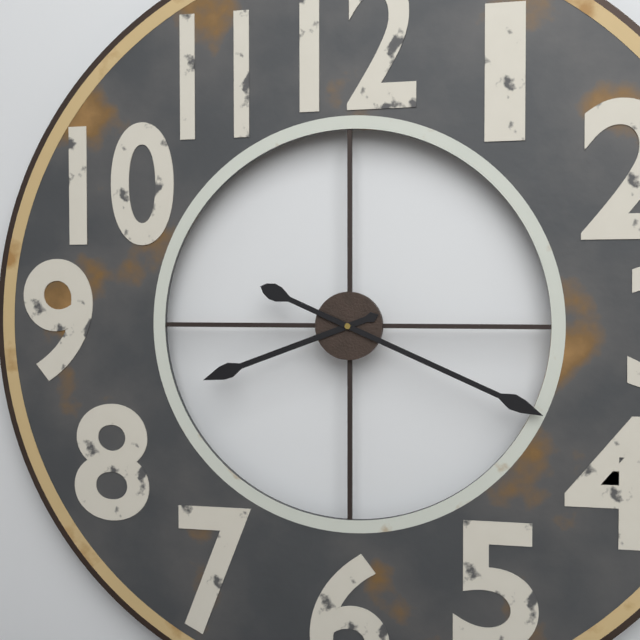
8:19
